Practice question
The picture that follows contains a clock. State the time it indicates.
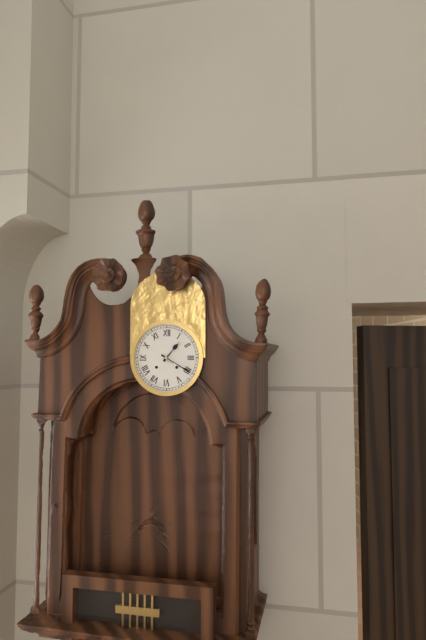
1:20
